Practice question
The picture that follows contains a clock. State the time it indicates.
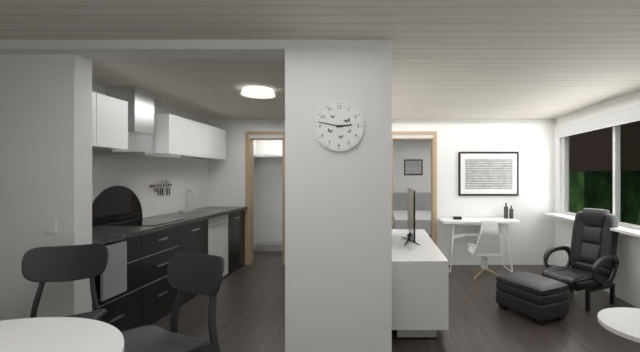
2:47
